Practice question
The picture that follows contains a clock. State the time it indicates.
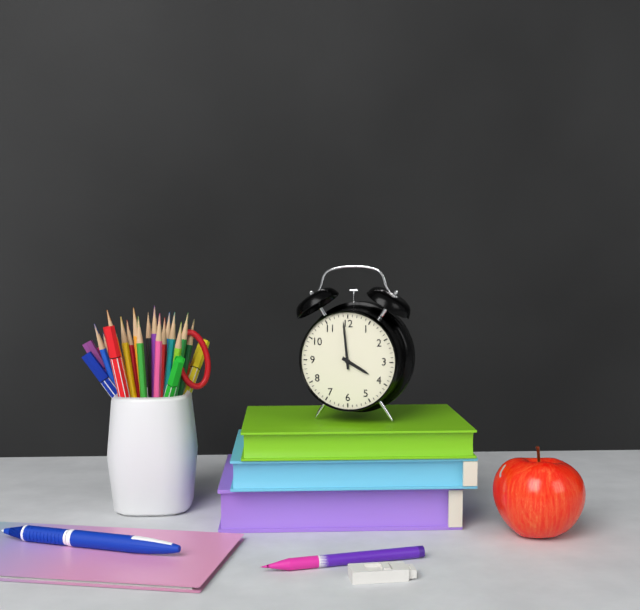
3:59
